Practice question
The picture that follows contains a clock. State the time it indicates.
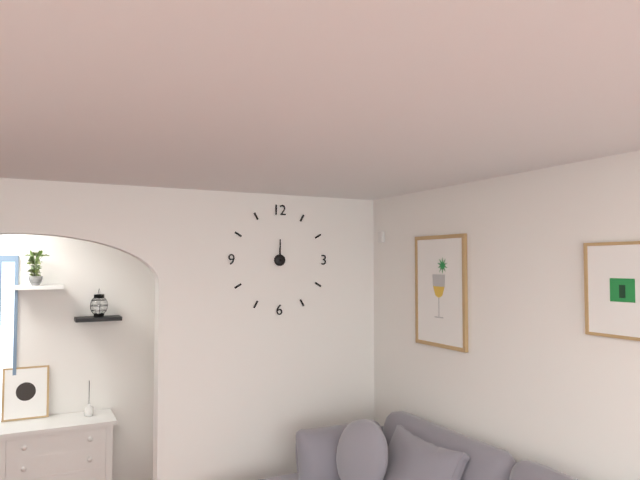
12:00
